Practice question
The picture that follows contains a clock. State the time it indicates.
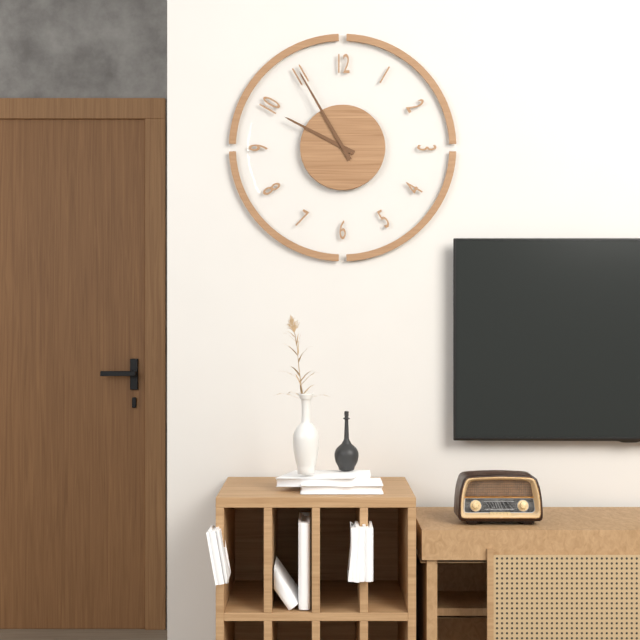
9:55
